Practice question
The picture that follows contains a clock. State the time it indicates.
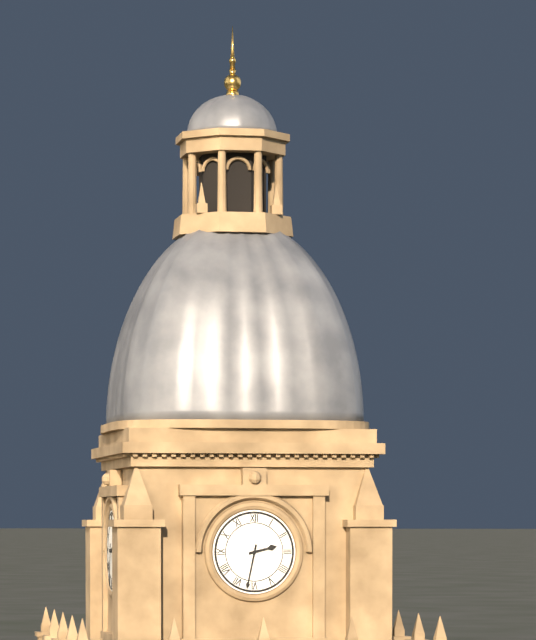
2:32
